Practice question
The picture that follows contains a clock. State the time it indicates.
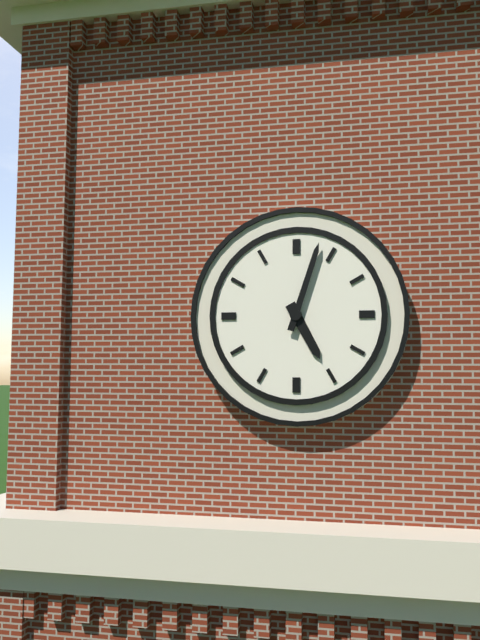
5:03
